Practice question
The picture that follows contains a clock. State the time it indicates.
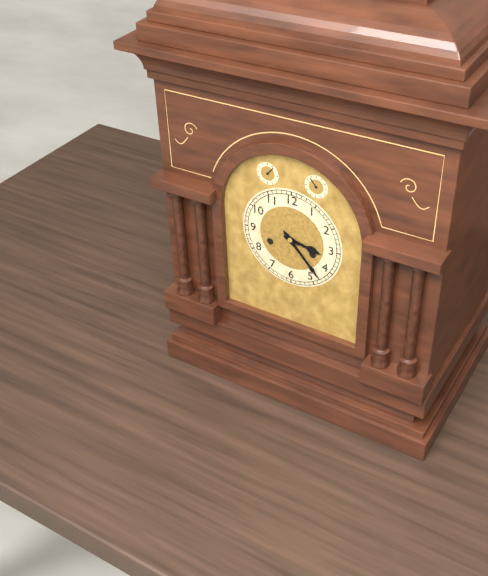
3:23
